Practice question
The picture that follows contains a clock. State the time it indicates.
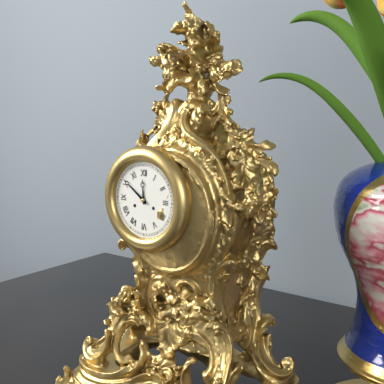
11:51
